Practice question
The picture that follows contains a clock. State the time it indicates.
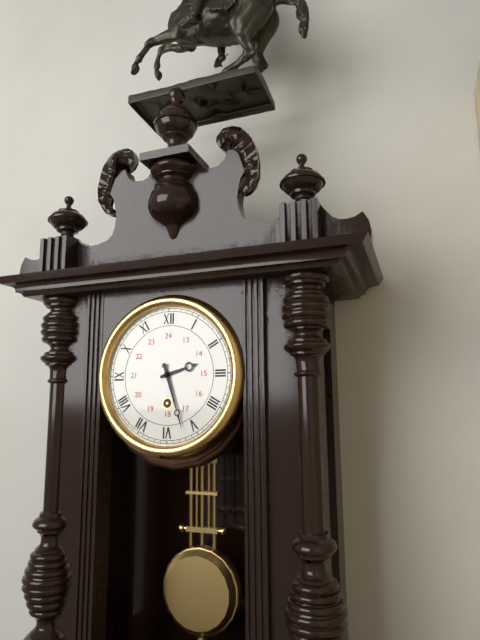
2:27
